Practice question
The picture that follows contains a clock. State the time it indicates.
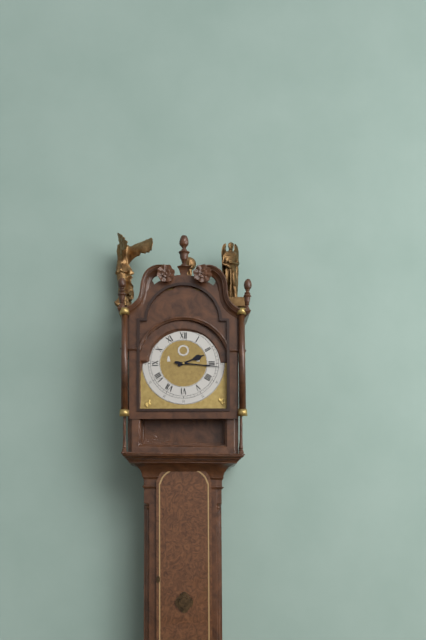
2:16
